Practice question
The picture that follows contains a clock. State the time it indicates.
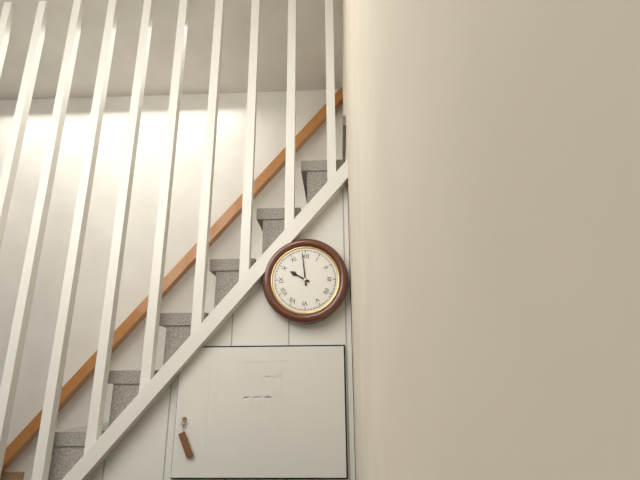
9:59
